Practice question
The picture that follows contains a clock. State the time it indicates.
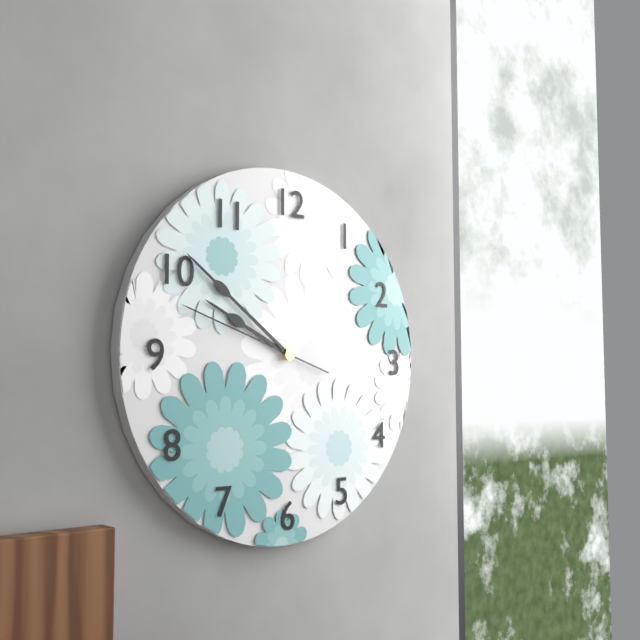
9:51:48
